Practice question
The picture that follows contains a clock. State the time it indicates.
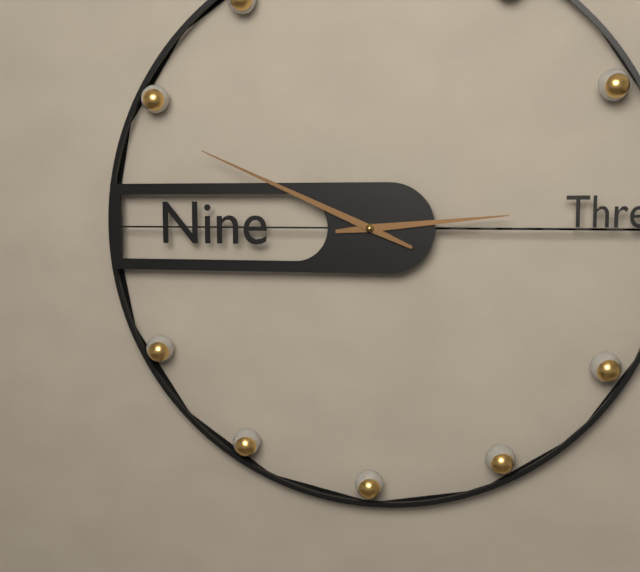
2:49
